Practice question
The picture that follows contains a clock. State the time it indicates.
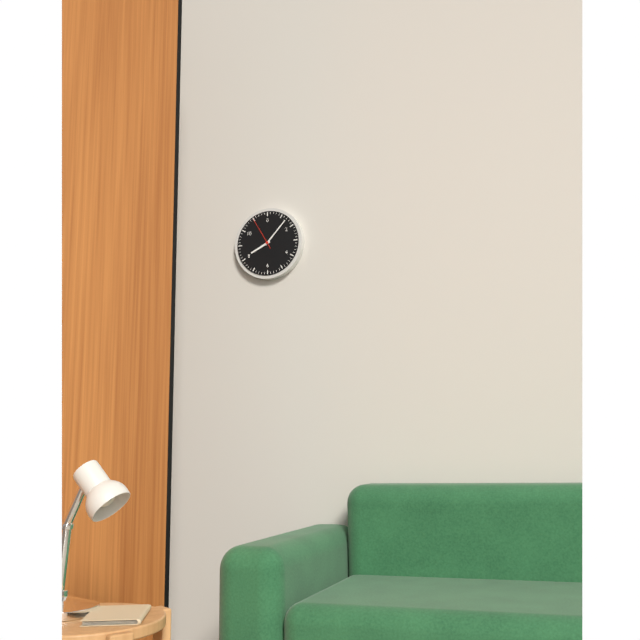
8:07
